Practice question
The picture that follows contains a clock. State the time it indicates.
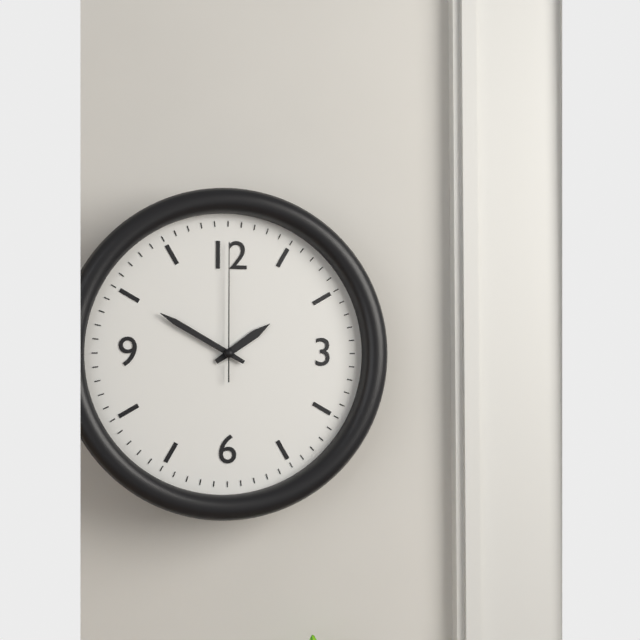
1:50:00
